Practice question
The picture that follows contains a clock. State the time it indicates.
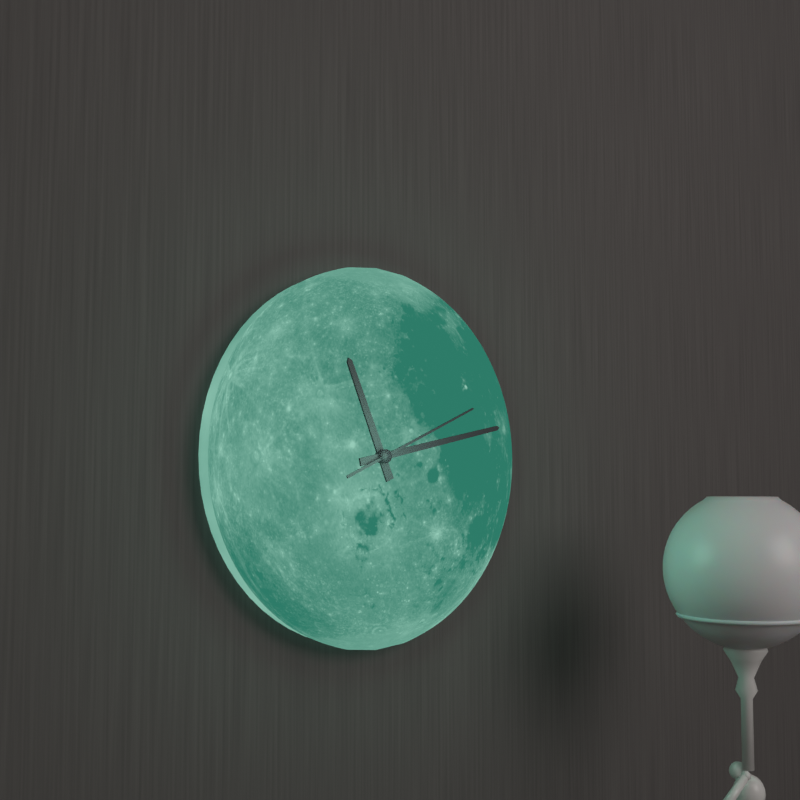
11:13:11
